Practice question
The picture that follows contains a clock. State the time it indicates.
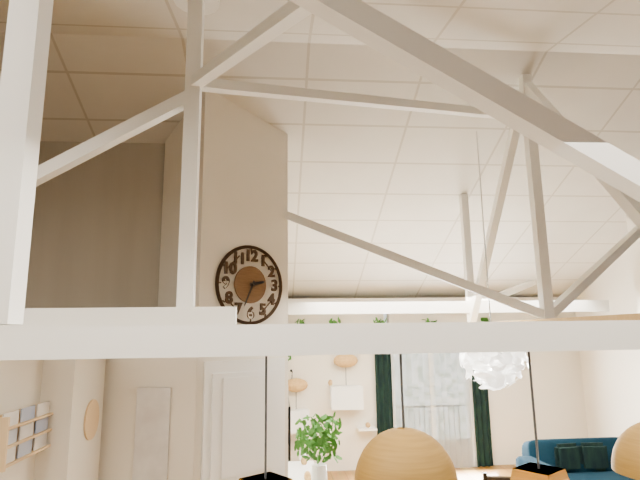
2:34
